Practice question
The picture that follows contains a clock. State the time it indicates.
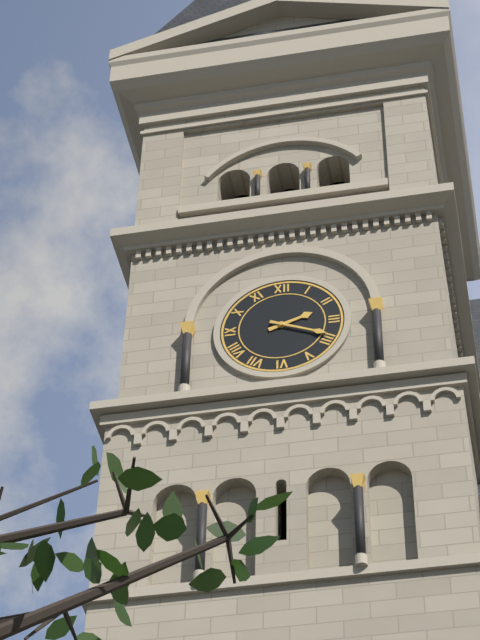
2:19
